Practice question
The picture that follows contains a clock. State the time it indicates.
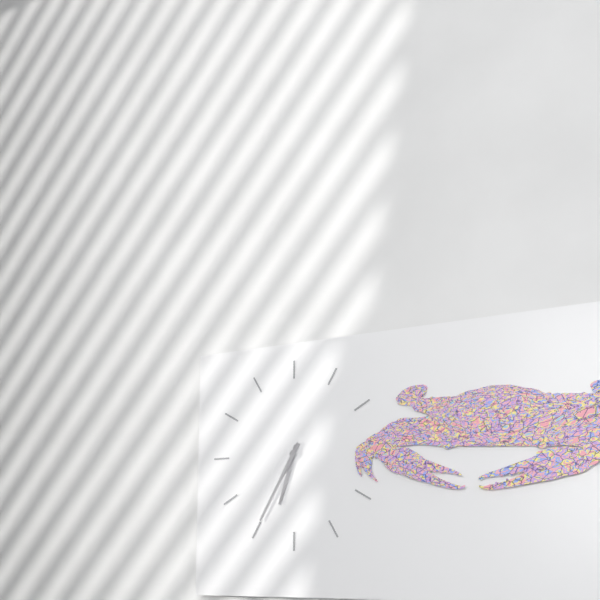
6:35
